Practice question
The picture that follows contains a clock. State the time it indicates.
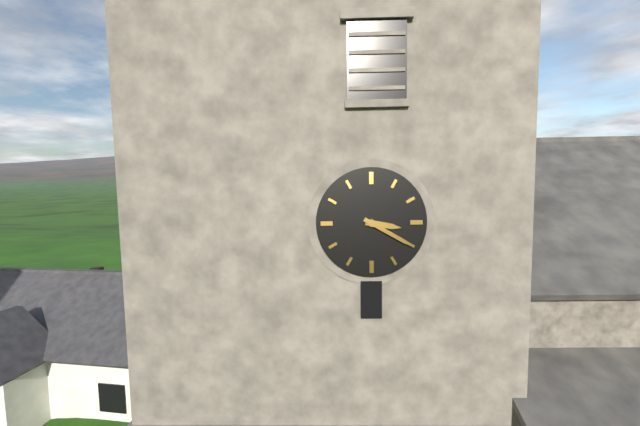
3:20
